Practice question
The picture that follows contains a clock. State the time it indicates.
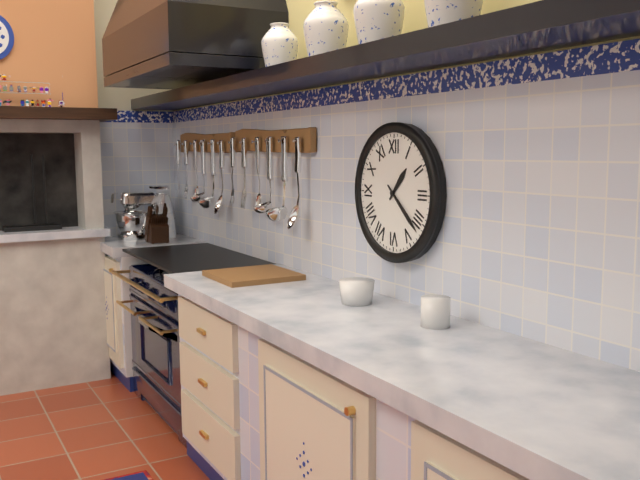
1:22
